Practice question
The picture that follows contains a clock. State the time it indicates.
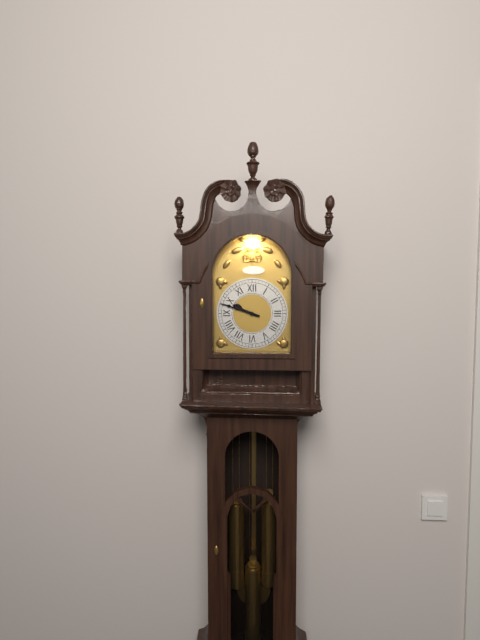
9:48
